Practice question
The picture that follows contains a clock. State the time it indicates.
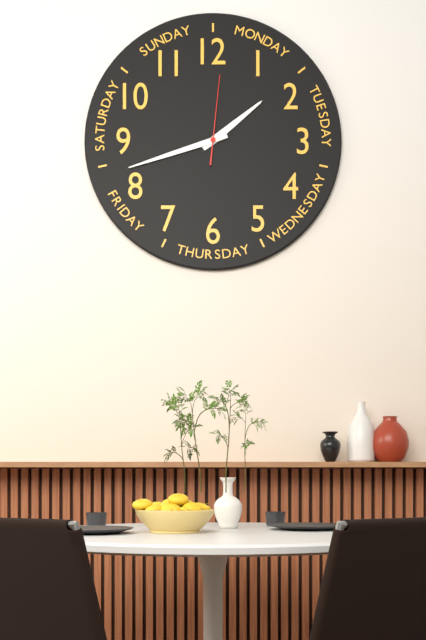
1:42:01
